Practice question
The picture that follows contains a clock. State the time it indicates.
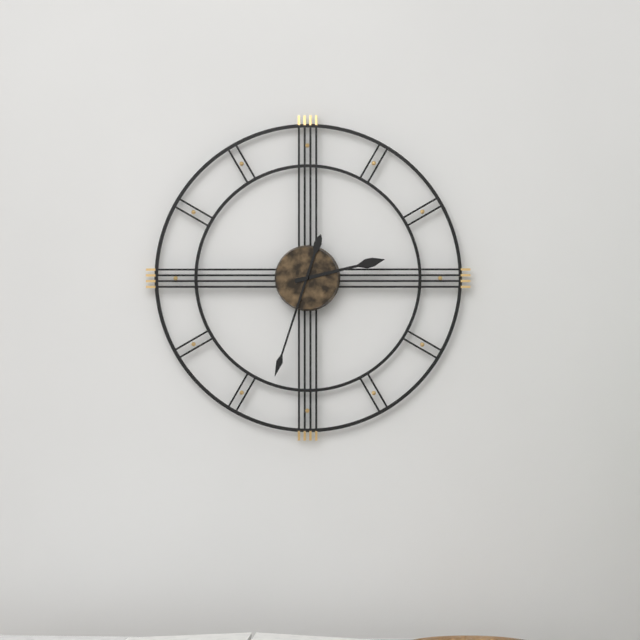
2:33
